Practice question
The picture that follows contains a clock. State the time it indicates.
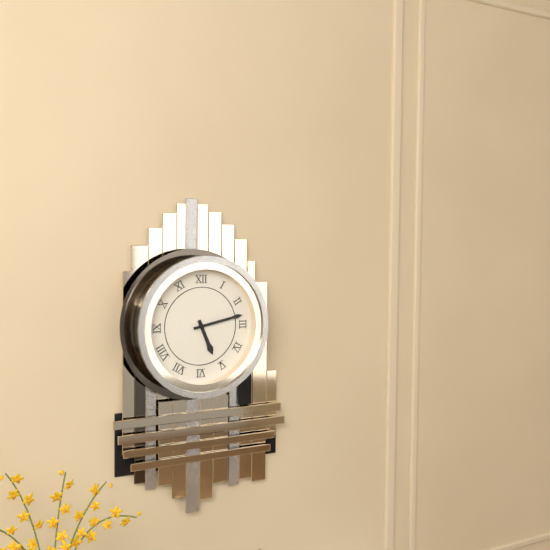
5:13
